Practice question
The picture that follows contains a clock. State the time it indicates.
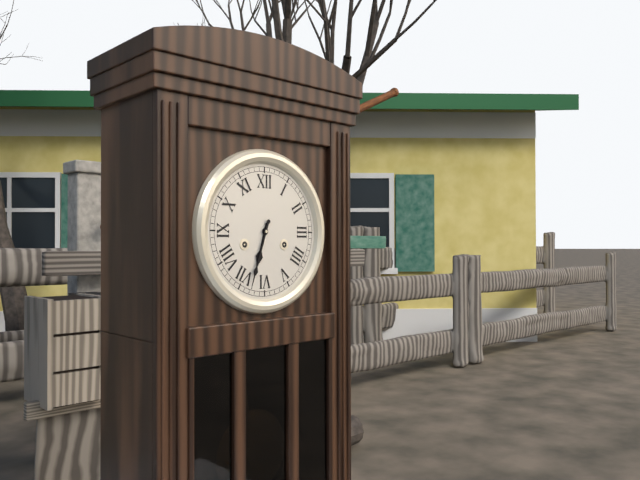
6:33
